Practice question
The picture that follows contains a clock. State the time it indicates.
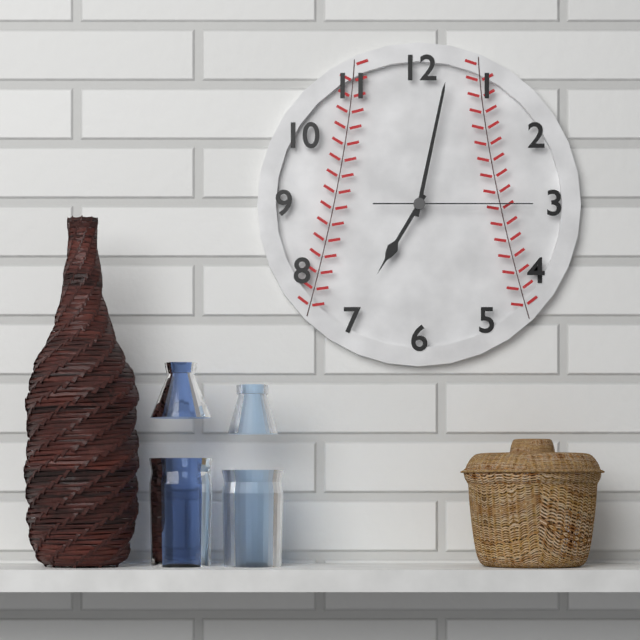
7:02:15
